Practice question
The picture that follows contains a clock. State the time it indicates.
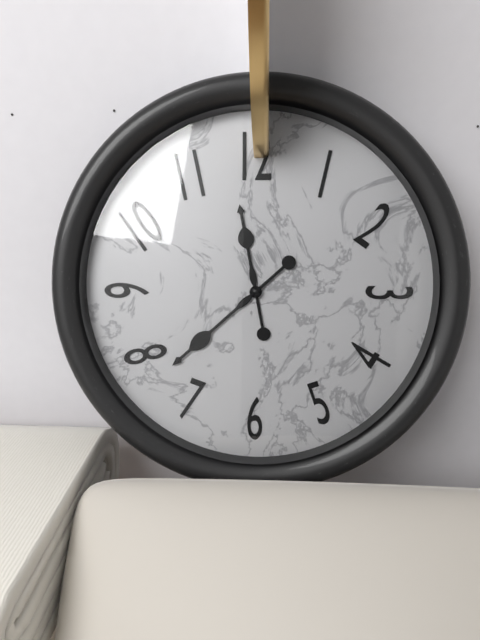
11:38
